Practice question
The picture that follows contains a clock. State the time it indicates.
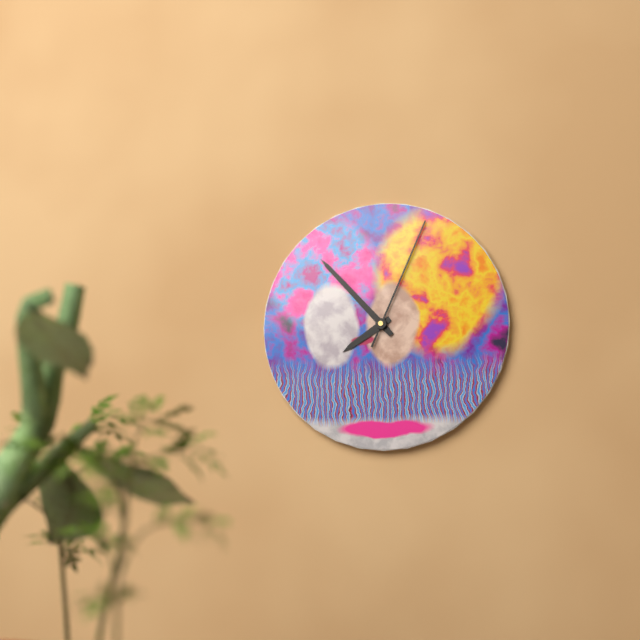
7:53:04
